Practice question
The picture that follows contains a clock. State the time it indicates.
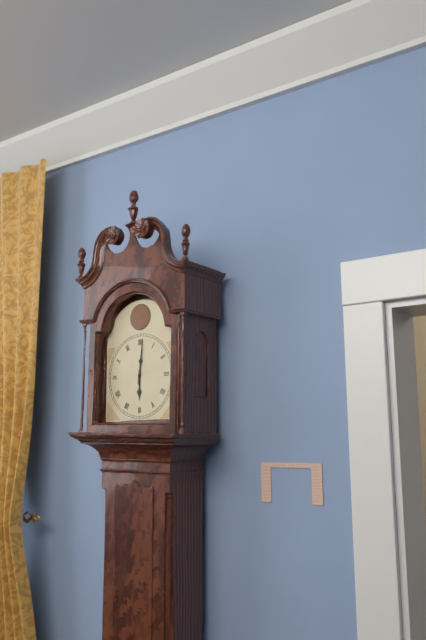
6:01
